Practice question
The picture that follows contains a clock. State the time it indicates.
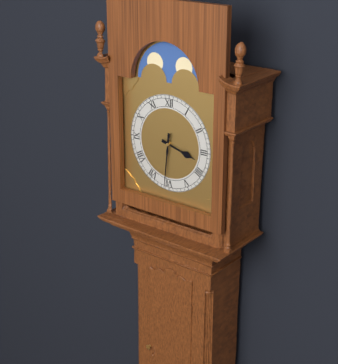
3:31
